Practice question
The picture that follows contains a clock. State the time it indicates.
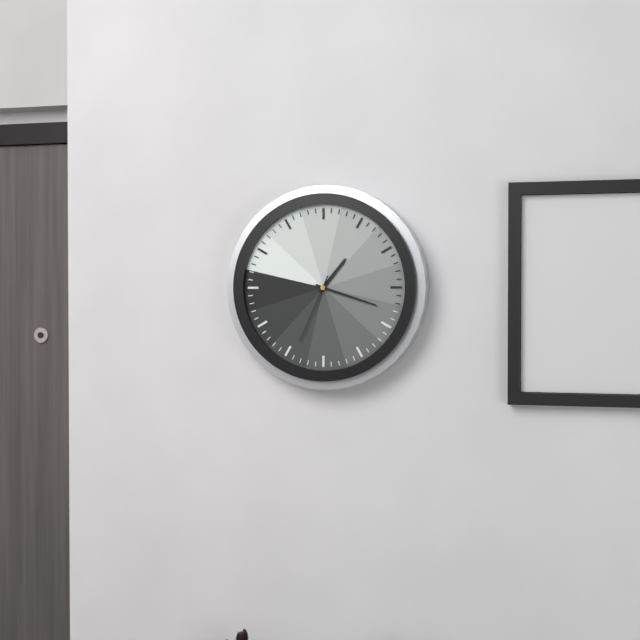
1:18:34
